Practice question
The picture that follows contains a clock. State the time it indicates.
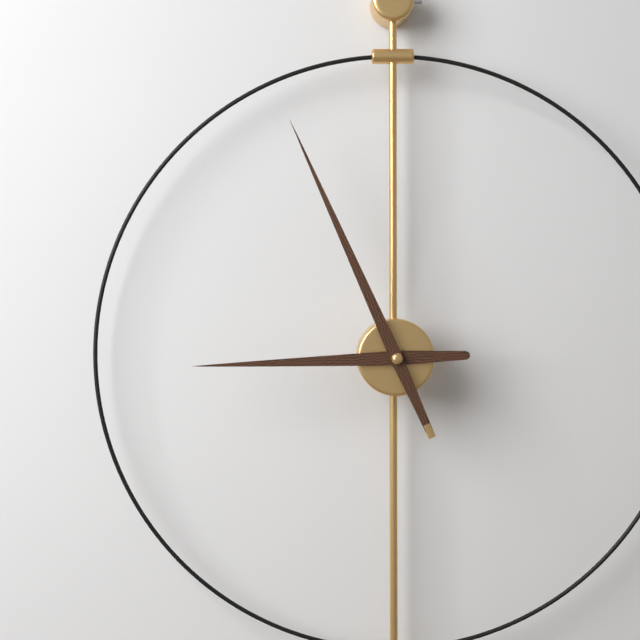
8:56
